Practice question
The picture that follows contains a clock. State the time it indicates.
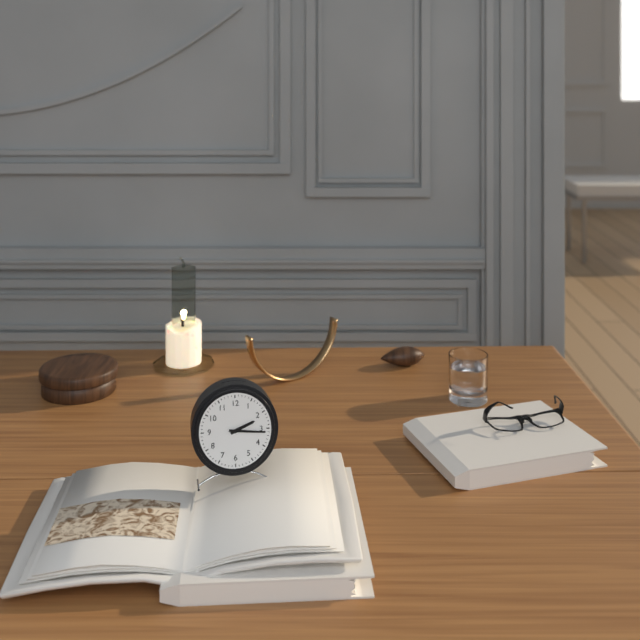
2:16
